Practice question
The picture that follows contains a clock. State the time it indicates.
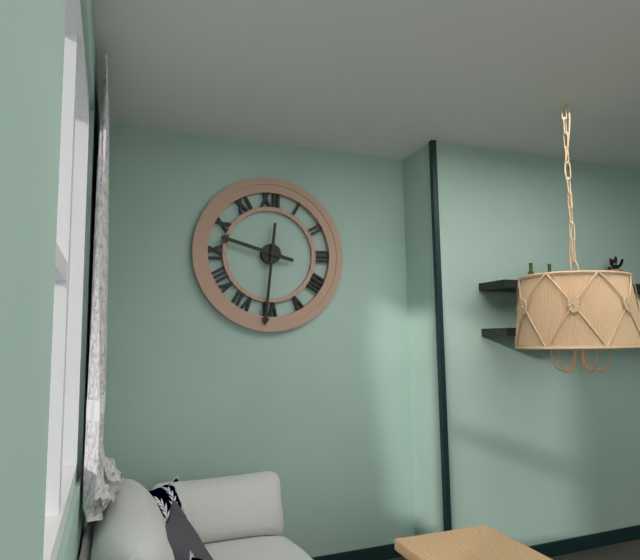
9:31
